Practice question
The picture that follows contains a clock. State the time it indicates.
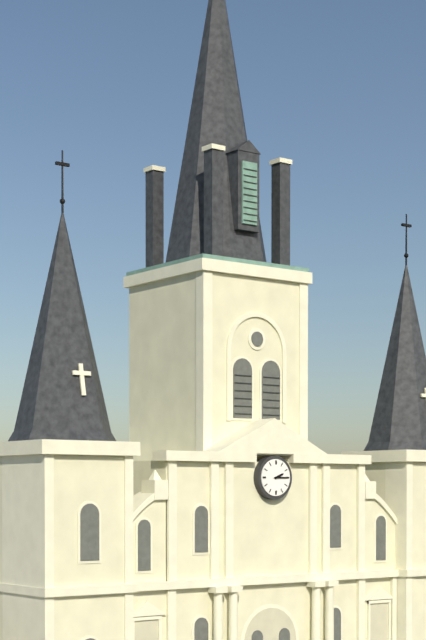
2:15
